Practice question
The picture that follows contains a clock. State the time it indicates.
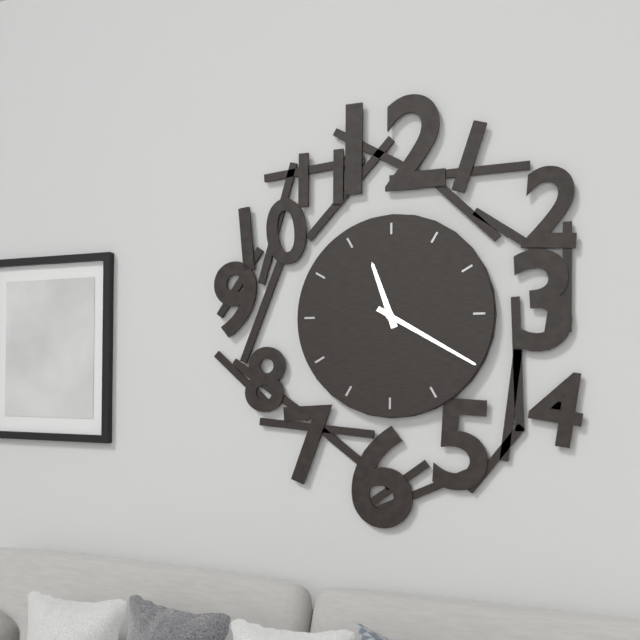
11:20
